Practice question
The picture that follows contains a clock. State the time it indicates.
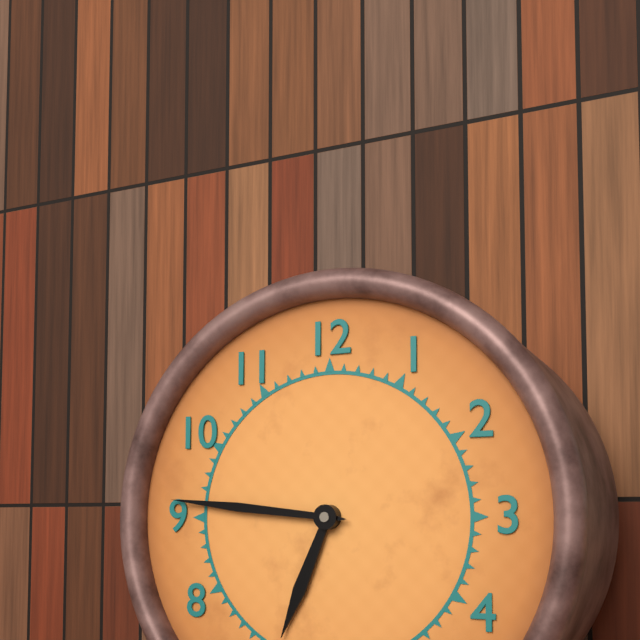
6:46
